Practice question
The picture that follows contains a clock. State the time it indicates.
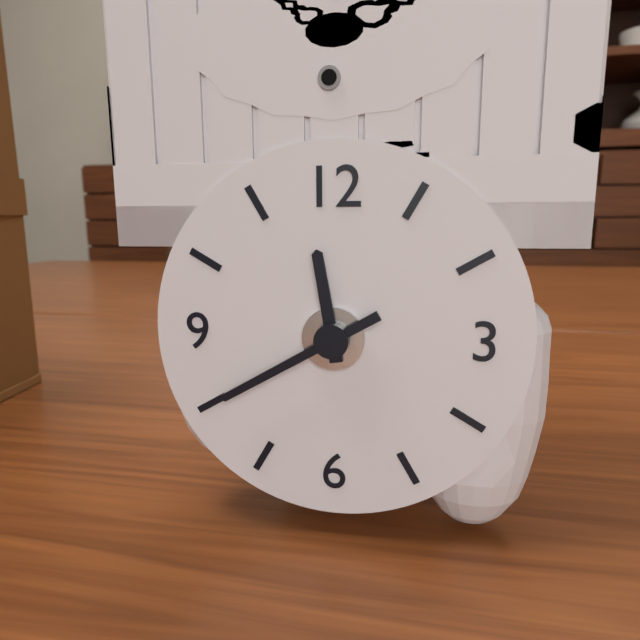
11:40
